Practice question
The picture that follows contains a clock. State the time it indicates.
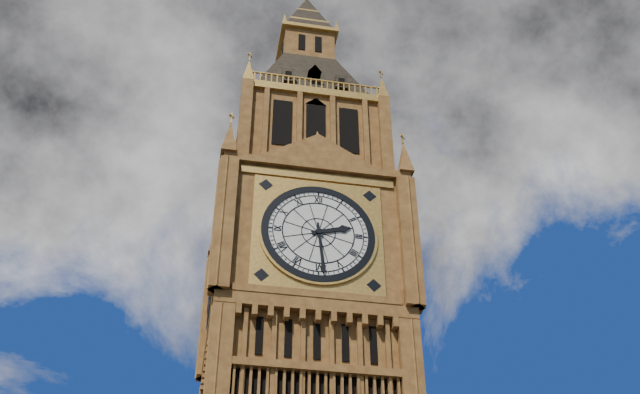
2:29
